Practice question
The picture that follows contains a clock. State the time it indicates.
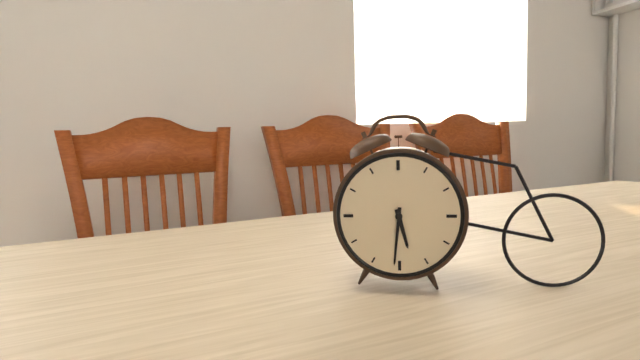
5:31
